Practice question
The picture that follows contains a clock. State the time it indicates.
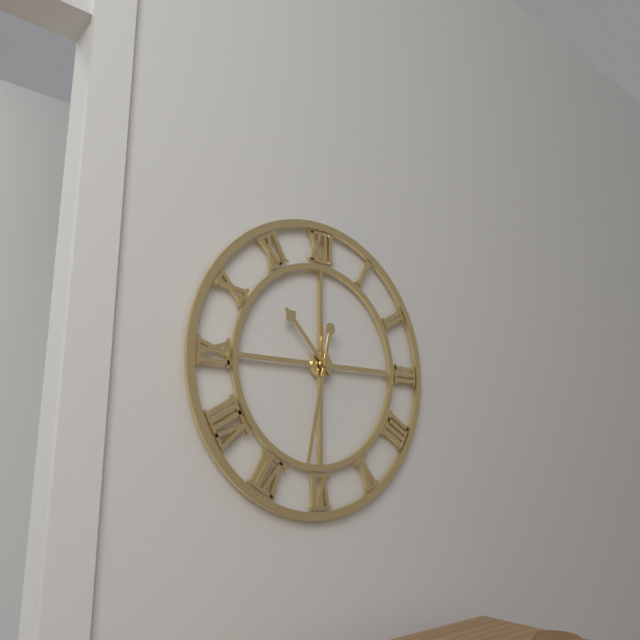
10:32
